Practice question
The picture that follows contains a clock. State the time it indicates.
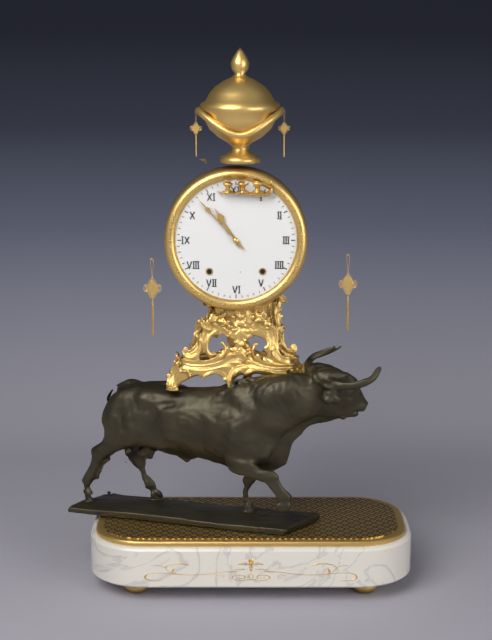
10:53
